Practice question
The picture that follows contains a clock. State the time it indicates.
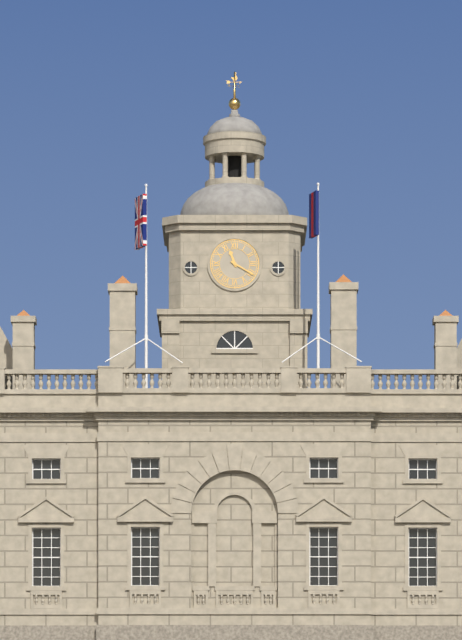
11:20
